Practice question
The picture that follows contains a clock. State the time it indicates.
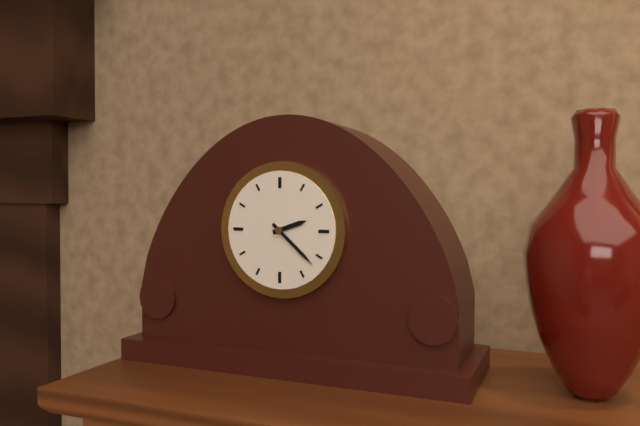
2:22
